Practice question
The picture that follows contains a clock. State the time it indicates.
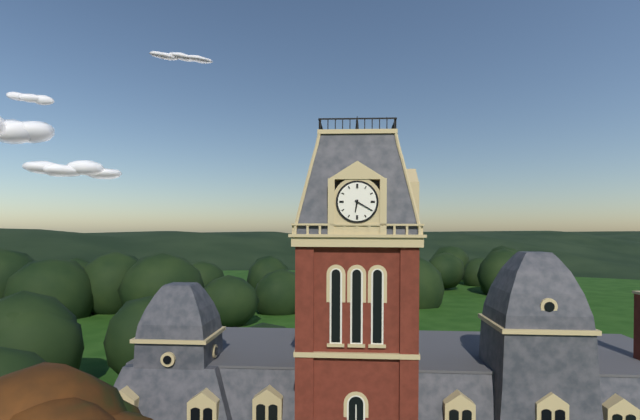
6:20
